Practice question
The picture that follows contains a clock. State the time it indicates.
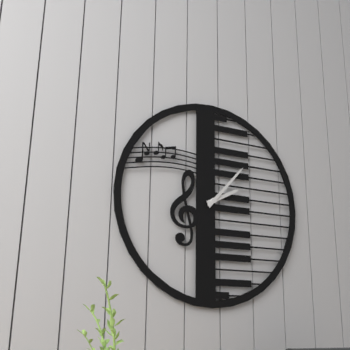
2:07
